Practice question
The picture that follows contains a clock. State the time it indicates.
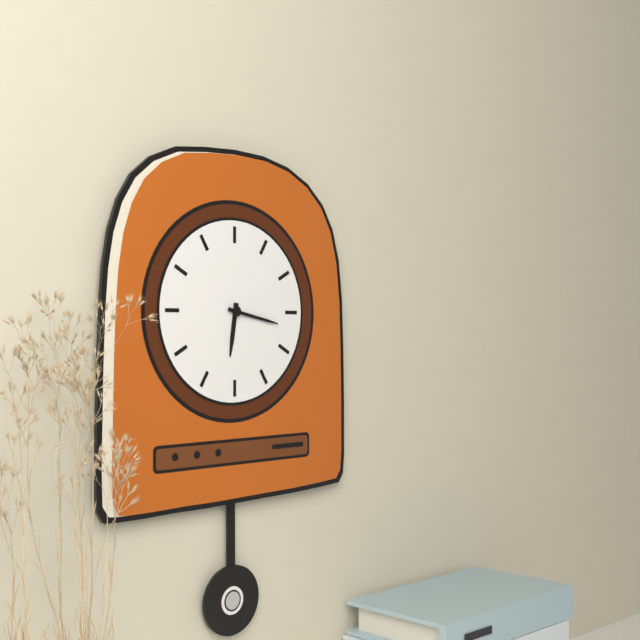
6:17
